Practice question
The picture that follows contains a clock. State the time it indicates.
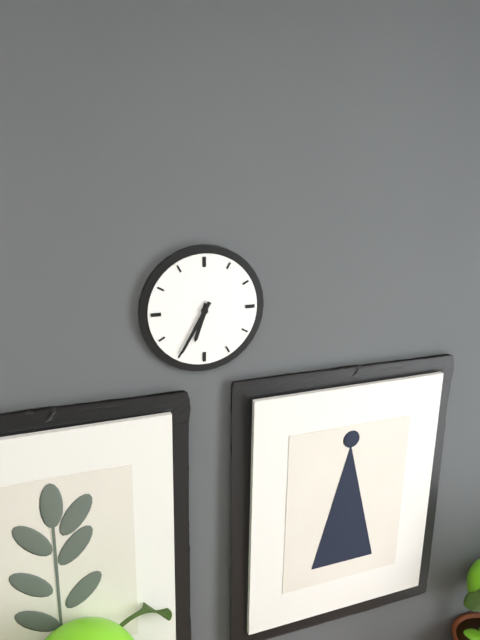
6:35
